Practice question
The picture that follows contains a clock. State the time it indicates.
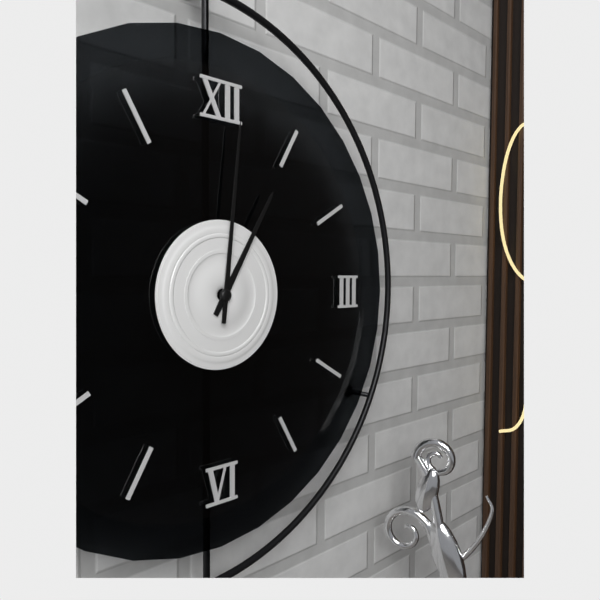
1:01
